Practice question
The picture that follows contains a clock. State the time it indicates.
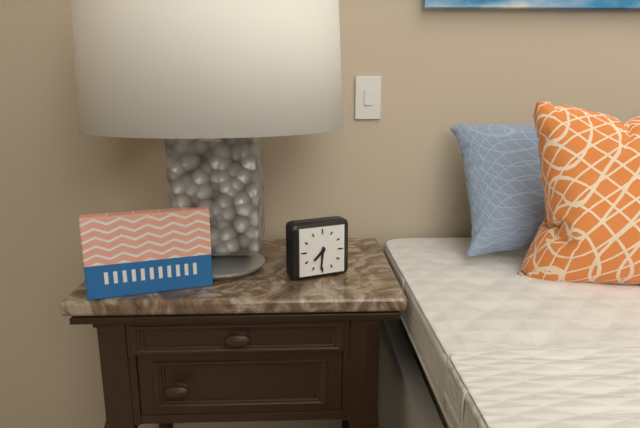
7:31
